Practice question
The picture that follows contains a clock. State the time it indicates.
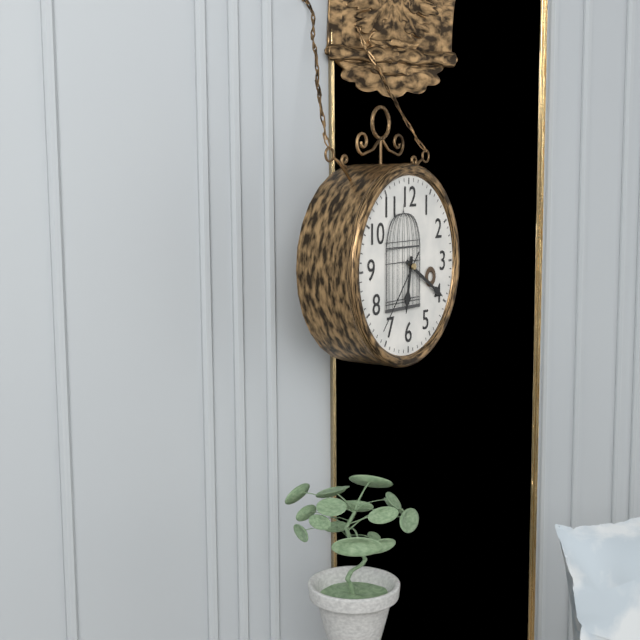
6:20:37
